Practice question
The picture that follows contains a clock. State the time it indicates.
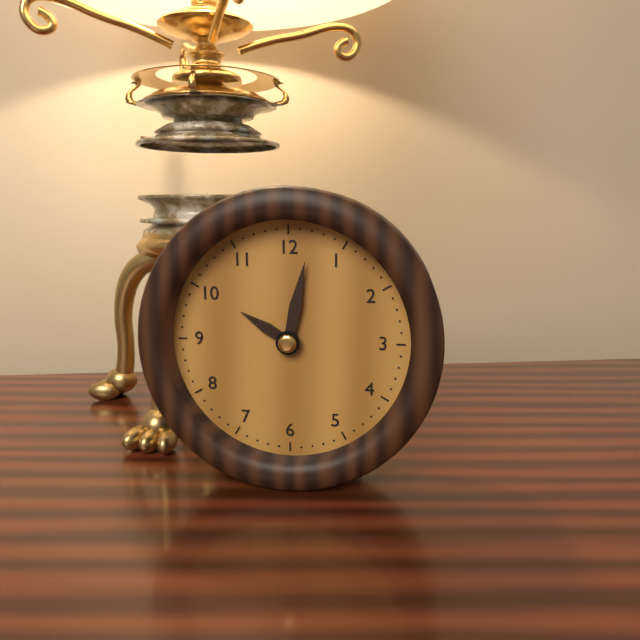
10:02
